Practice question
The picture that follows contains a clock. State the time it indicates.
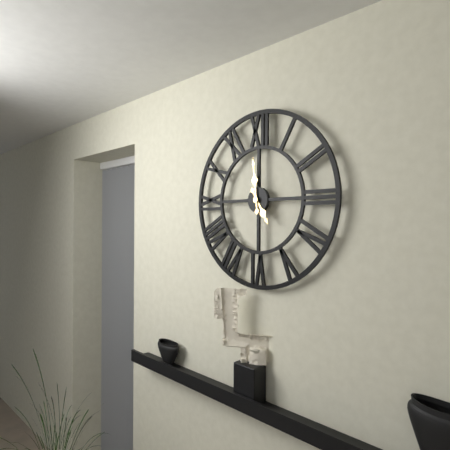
4:59
